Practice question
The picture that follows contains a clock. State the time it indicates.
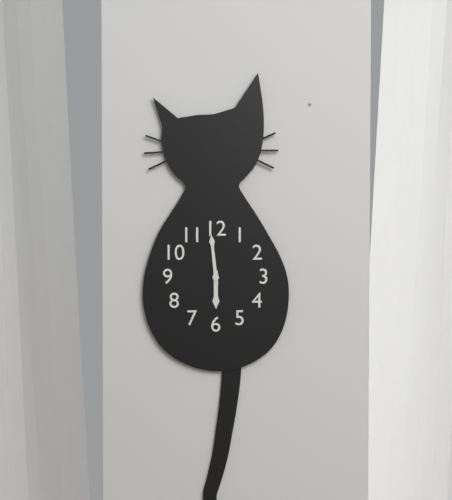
5:59
